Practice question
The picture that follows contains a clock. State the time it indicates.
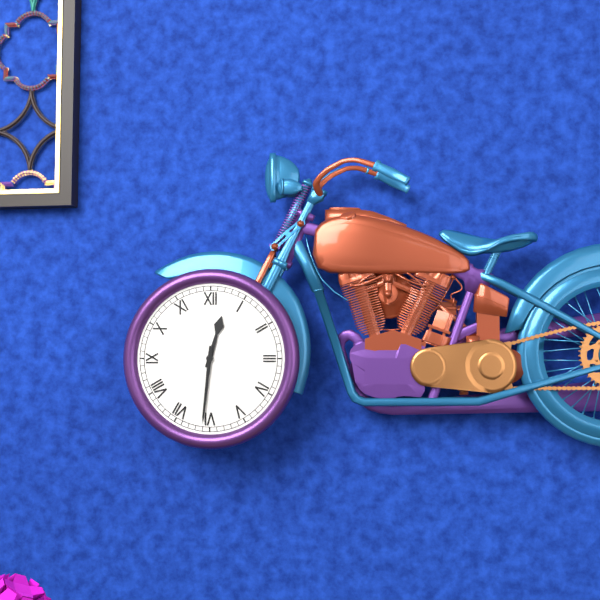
12:31
